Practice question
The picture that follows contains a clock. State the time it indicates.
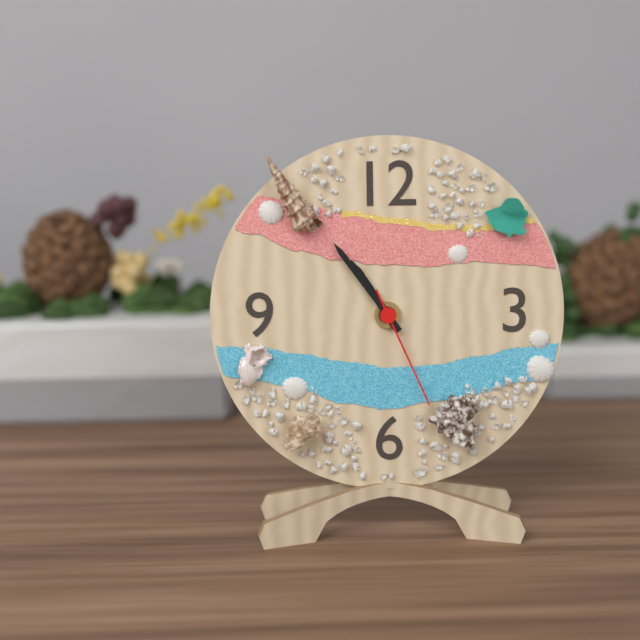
10:54:26
